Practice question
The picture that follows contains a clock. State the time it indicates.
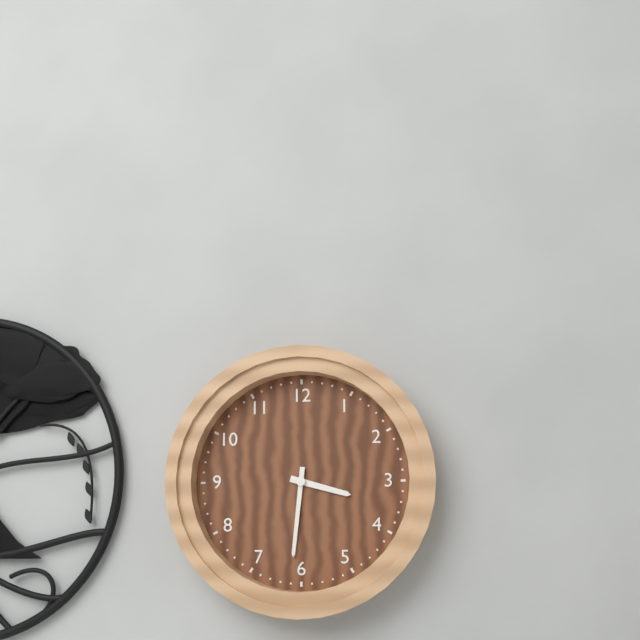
3:31
